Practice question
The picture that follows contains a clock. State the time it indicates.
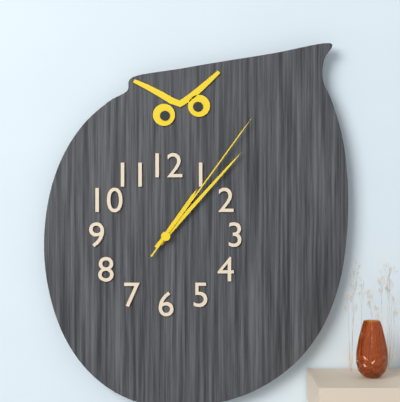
1:07:06
